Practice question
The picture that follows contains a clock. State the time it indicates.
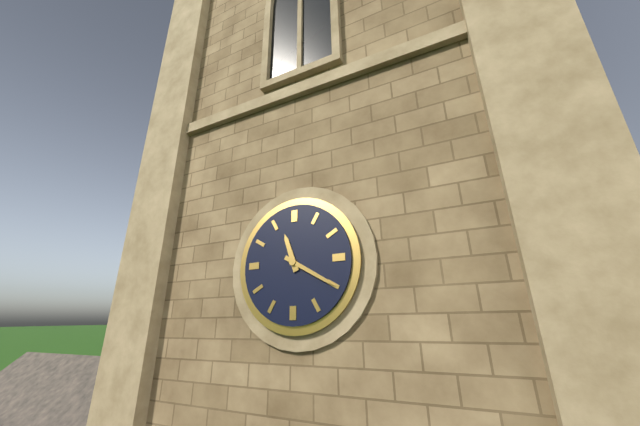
11:20
